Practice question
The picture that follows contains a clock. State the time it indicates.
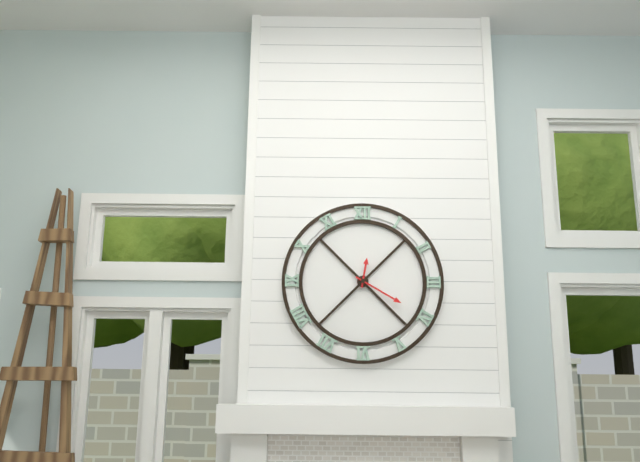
12:20
